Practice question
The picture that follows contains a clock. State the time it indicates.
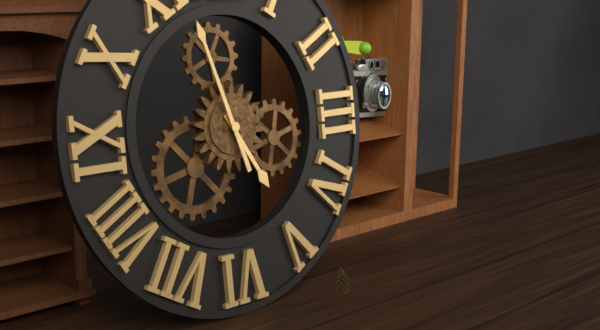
4:57
